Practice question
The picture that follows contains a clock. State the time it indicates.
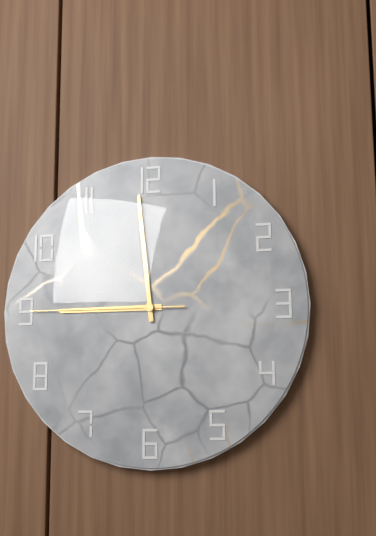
8:59:45
